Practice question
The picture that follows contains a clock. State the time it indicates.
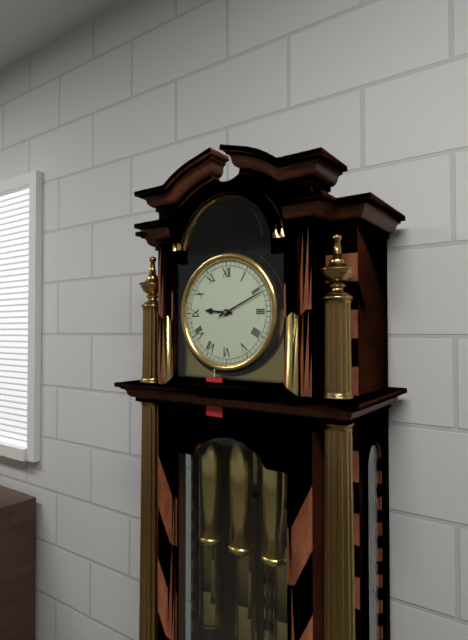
9:11
